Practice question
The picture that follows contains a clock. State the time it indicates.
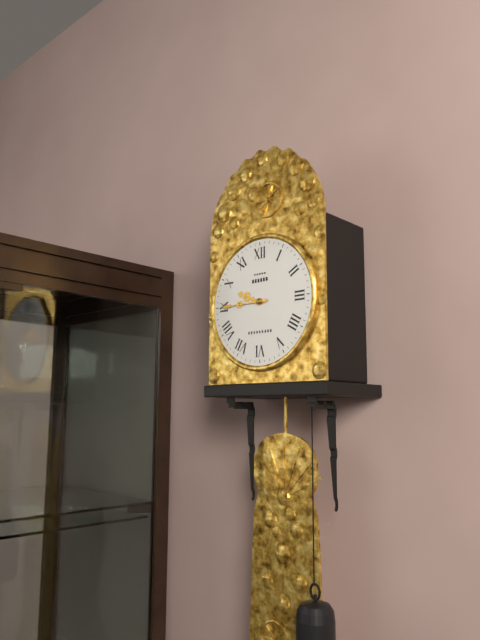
9:45
